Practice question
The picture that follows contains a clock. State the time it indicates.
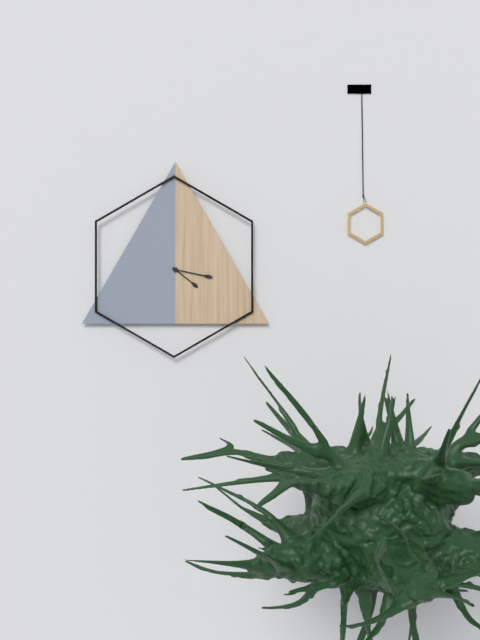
4:17
